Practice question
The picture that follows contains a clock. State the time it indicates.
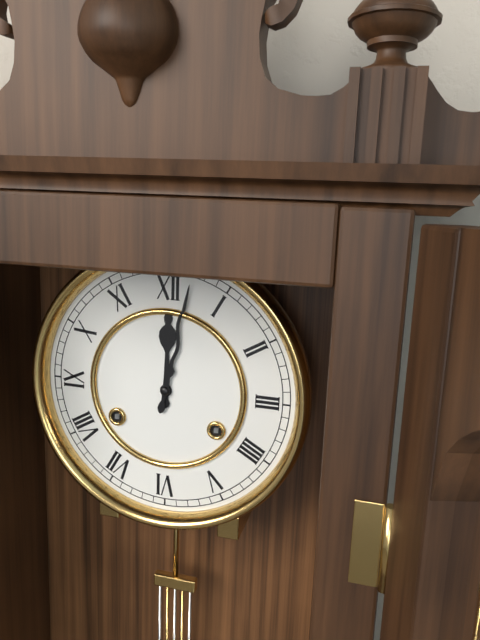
12:02
